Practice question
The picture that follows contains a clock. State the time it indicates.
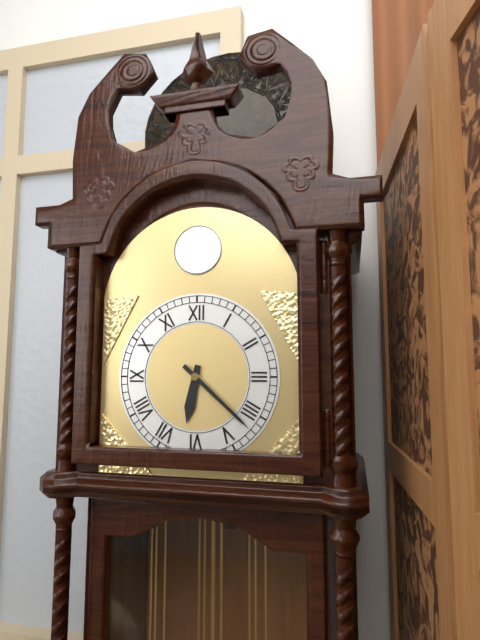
6:22
